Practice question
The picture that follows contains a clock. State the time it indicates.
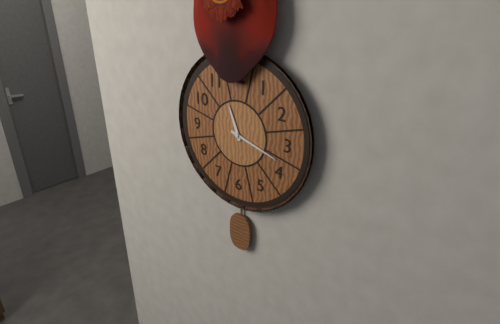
11:18
